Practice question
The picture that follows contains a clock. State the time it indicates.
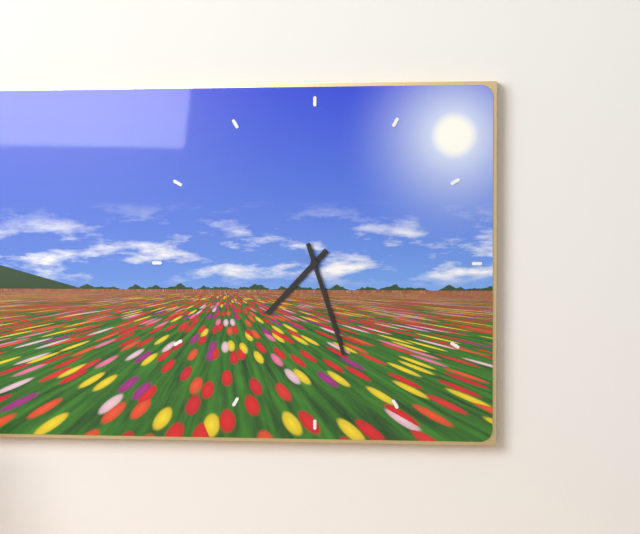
7:27
